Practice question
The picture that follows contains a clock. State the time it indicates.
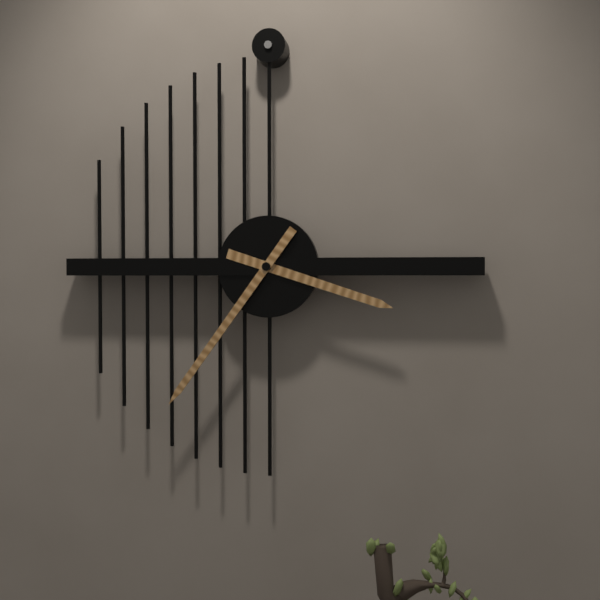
3:36
